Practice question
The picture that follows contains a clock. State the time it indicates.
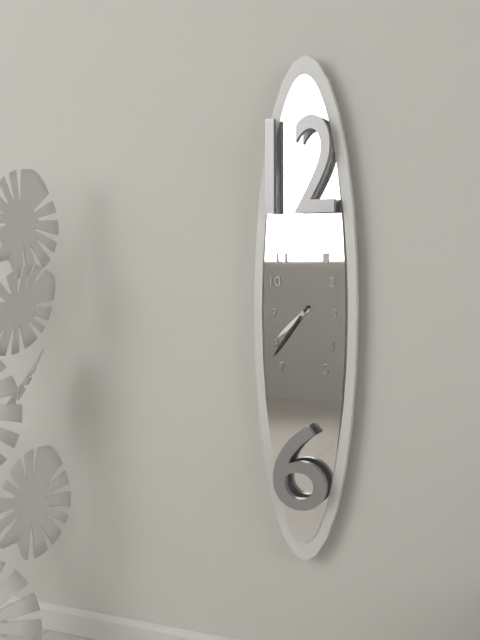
7:36
